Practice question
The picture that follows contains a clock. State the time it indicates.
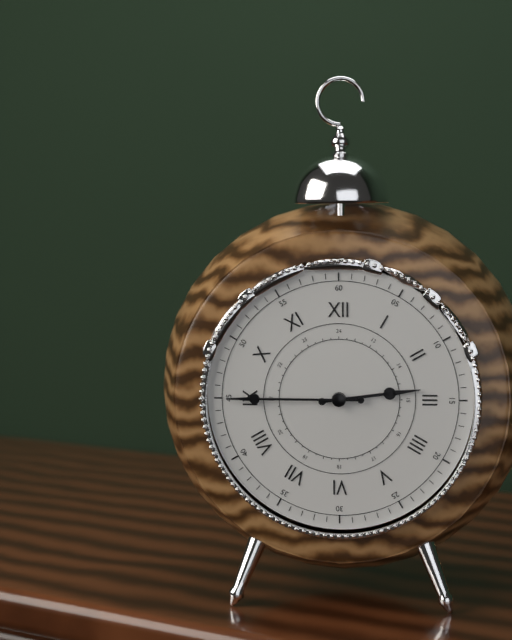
2:45
